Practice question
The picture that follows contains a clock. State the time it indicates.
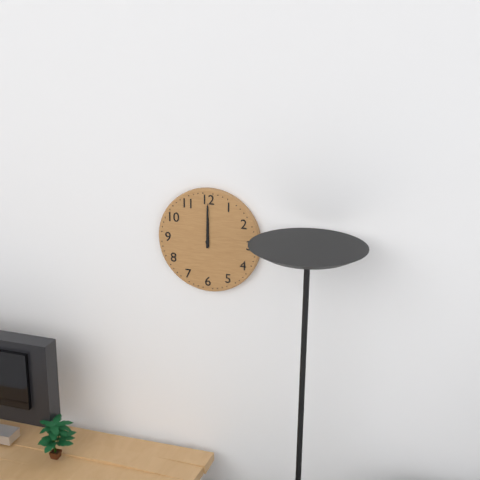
12:00
